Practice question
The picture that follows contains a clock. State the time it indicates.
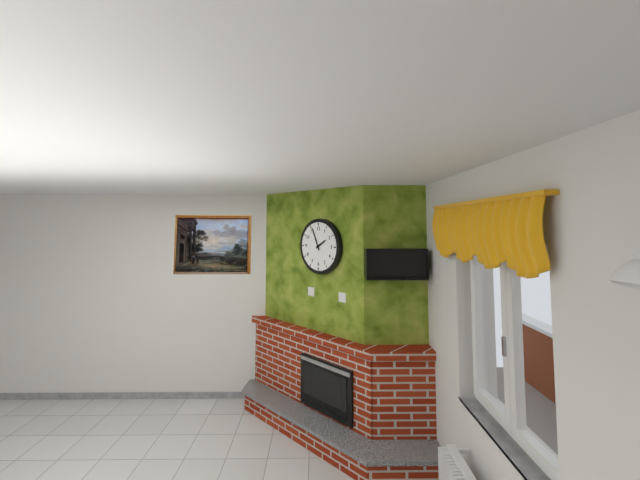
1:56
